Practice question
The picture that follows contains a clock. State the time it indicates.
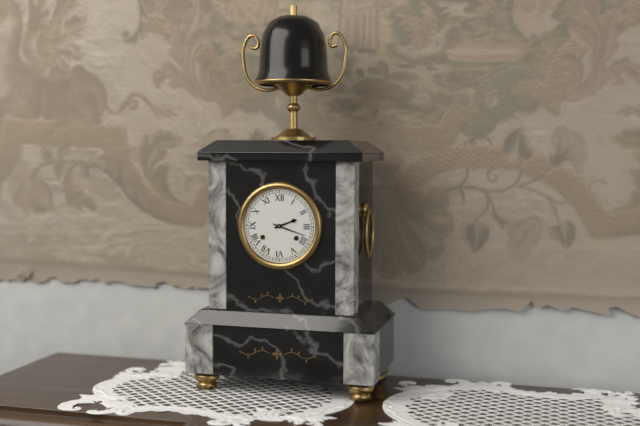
2:18
